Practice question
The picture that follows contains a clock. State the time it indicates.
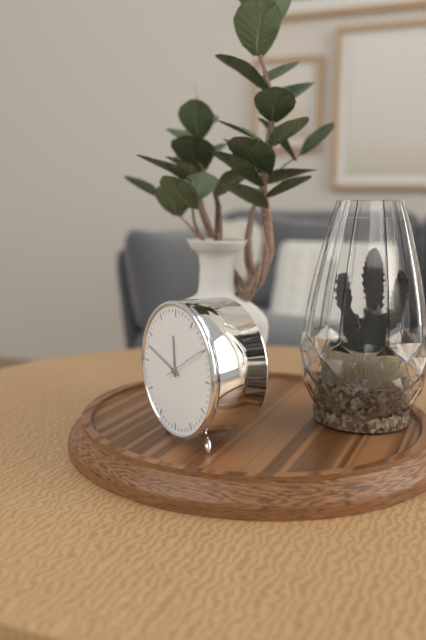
11:48
